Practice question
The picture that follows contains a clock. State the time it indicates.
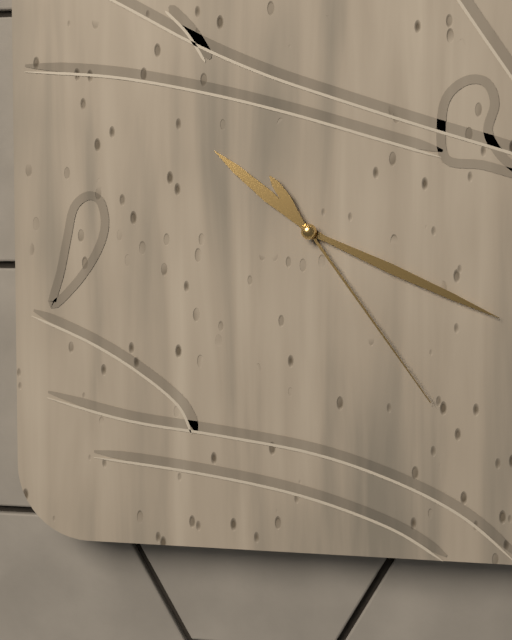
10:19:24
